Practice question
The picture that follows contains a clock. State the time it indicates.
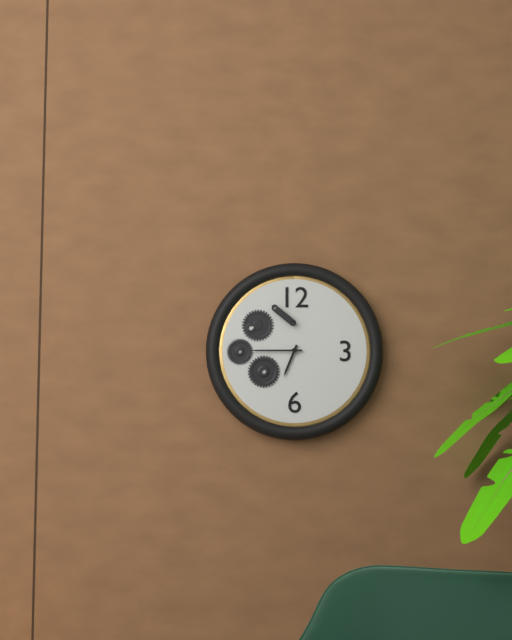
6:45
